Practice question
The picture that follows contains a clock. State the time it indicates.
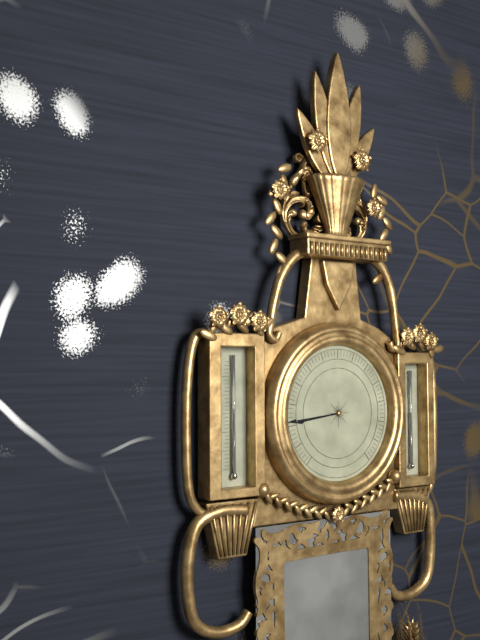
8:44
